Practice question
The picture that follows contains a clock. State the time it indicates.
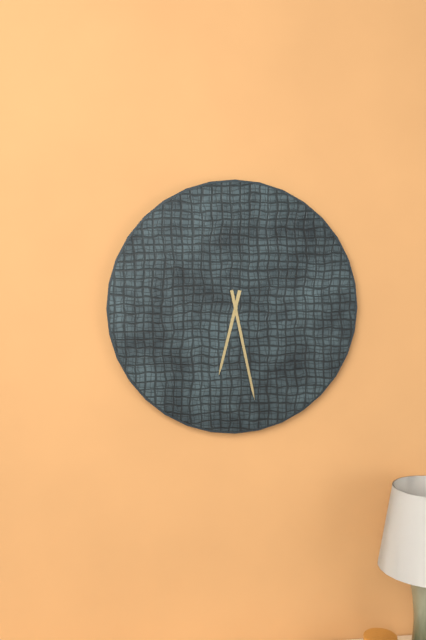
6:28
